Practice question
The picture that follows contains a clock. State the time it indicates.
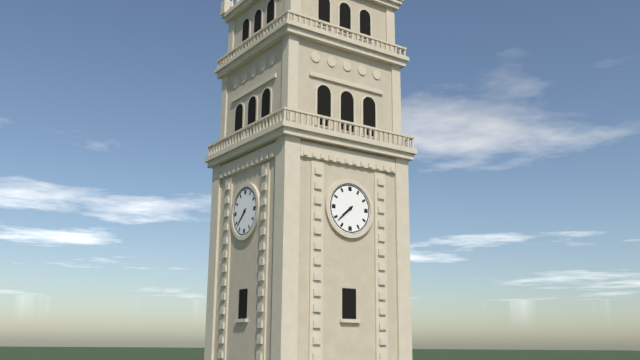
7:38
